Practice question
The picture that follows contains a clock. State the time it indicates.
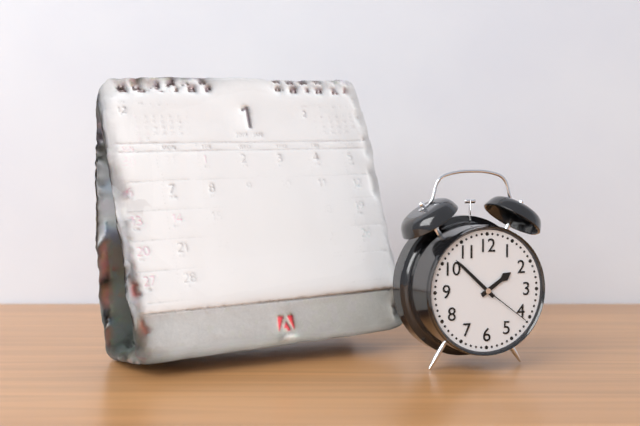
1:52:21
